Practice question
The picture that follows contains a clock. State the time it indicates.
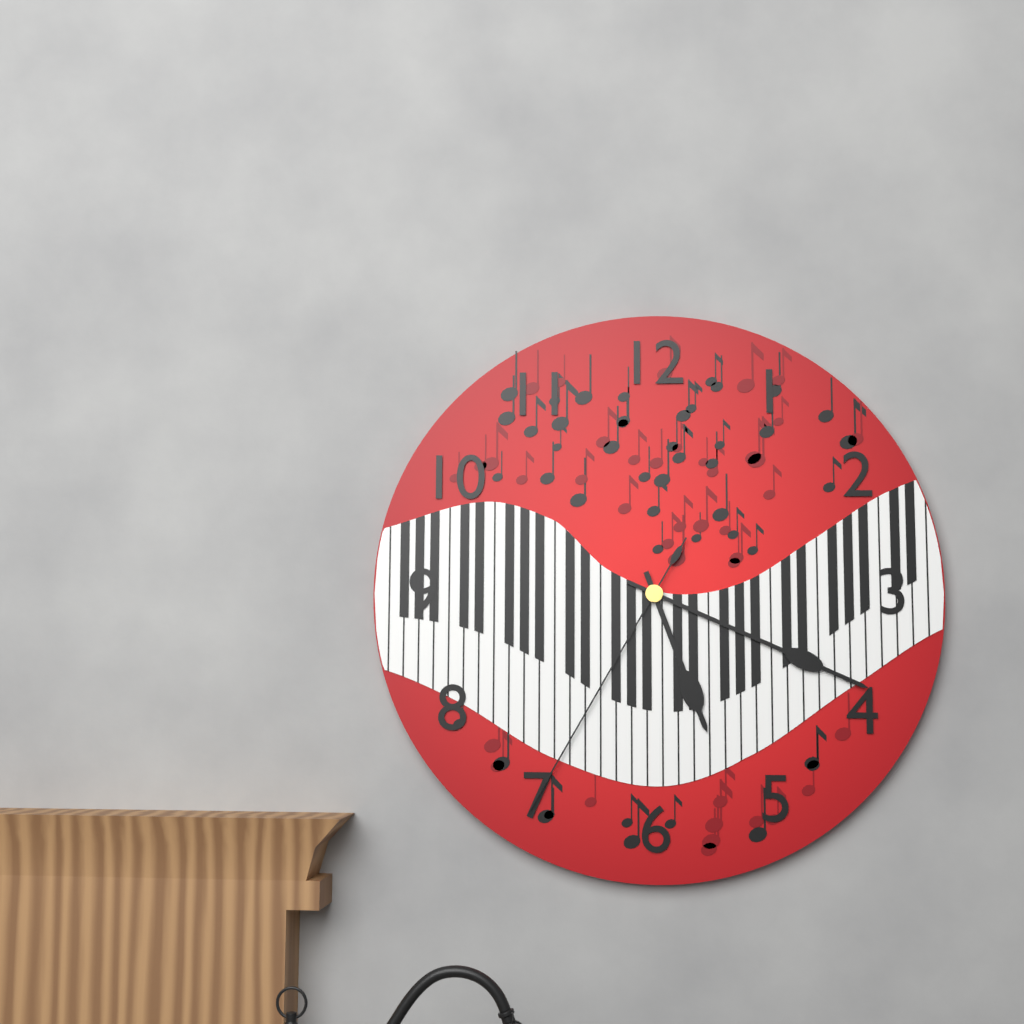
5:19:35
